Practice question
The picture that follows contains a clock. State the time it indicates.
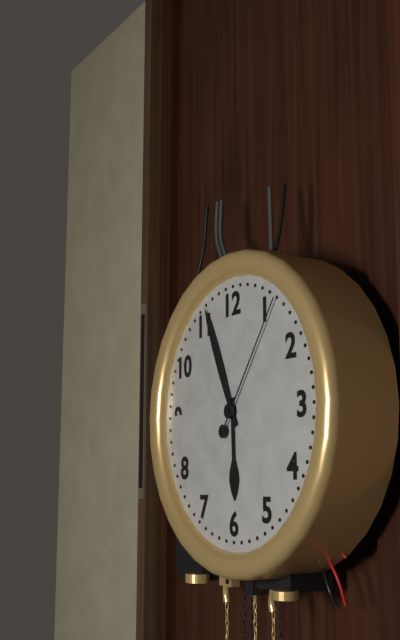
5:56:06
